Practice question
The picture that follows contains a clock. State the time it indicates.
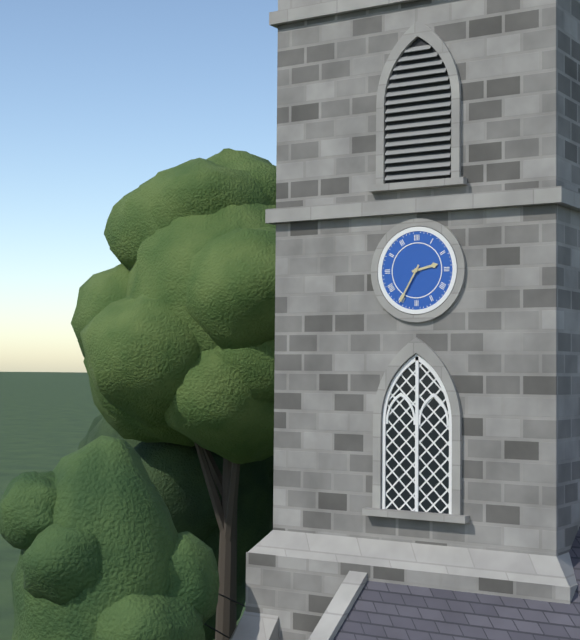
2:35
